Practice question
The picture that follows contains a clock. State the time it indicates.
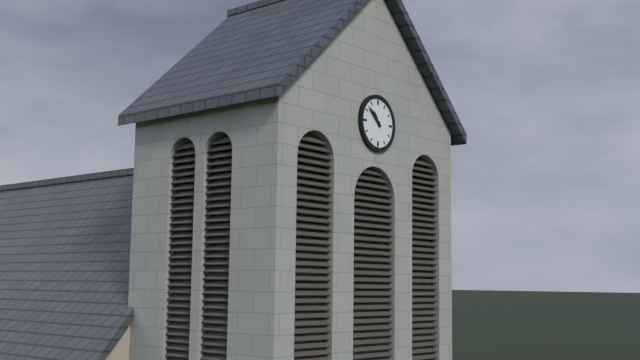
10:52
